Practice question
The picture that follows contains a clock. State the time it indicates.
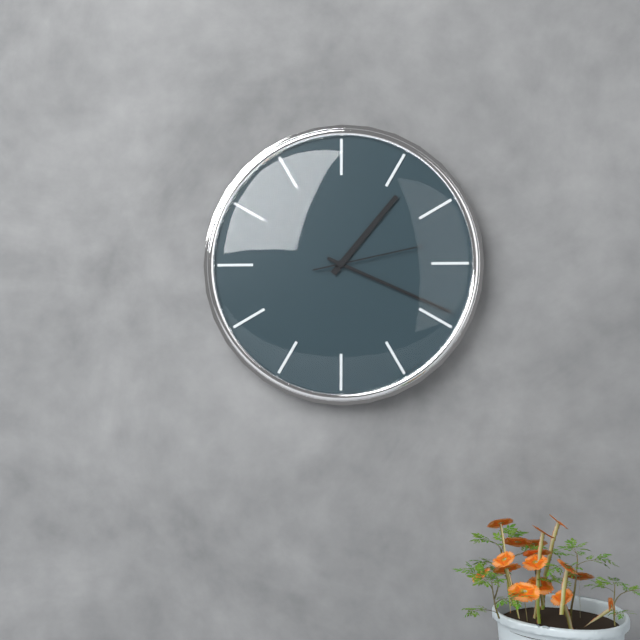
1:19:13
